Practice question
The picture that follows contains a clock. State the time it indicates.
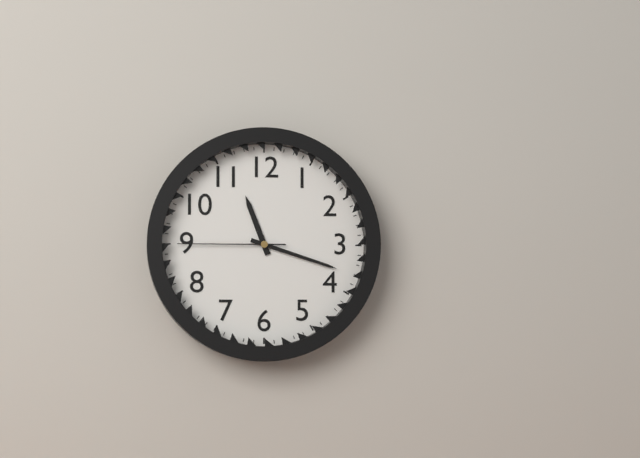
11:18:45
